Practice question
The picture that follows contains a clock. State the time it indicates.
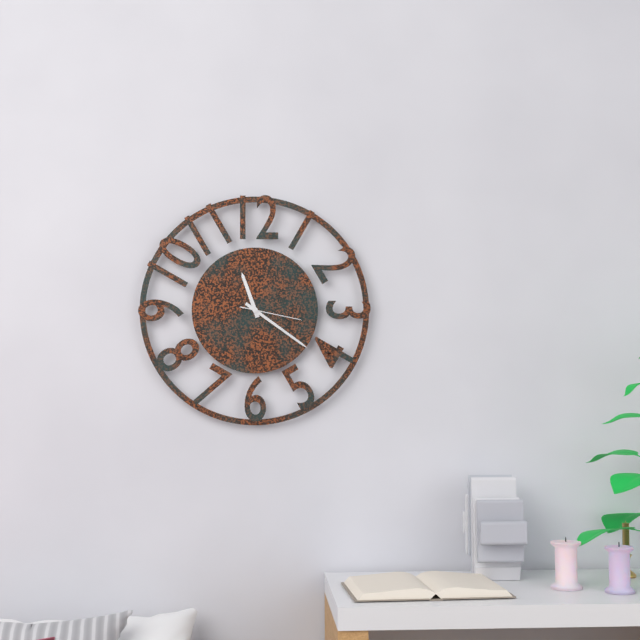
11:21:17
